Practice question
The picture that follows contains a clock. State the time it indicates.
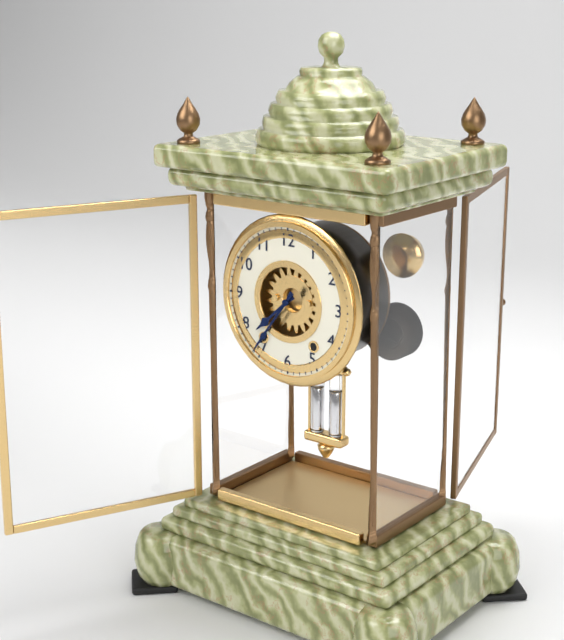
7:36
